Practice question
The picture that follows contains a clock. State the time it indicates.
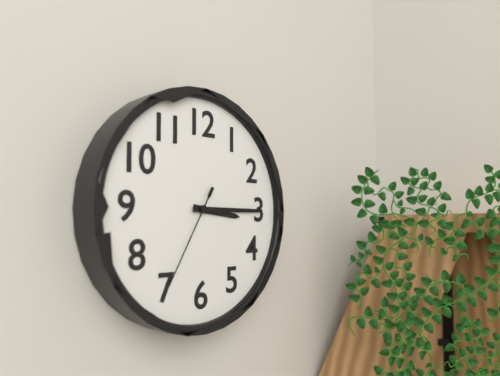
3:15:35
